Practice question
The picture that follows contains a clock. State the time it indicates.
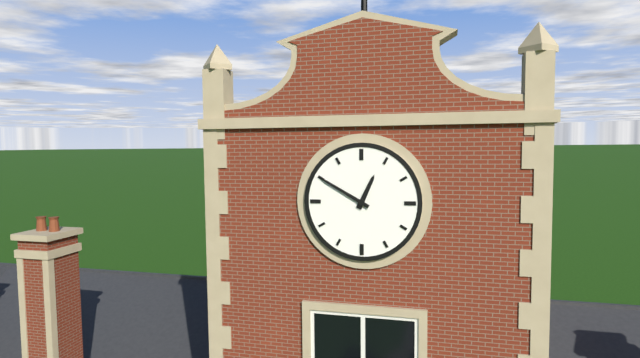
12:50
